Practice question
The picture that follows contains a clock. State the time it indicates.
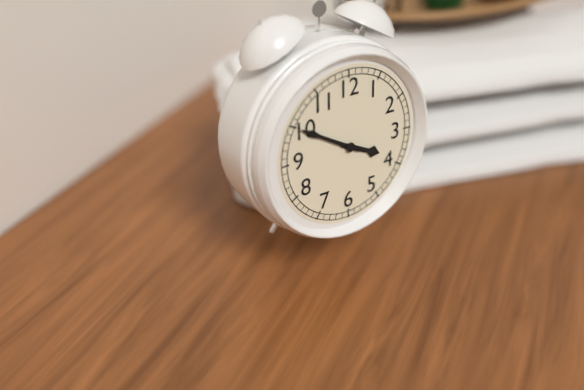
3:50
